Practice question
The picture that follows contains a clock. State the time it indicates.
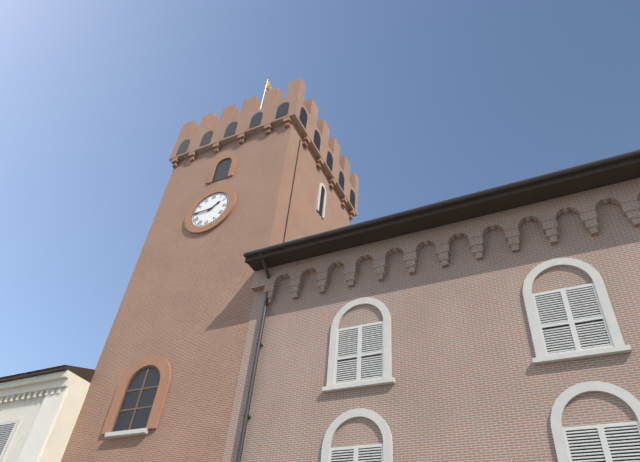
1:45
